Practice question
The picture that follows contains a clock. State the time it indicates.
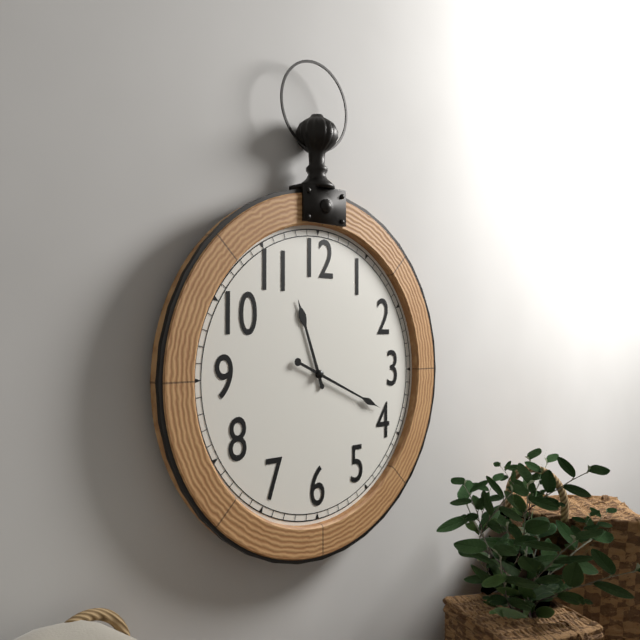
11:19
